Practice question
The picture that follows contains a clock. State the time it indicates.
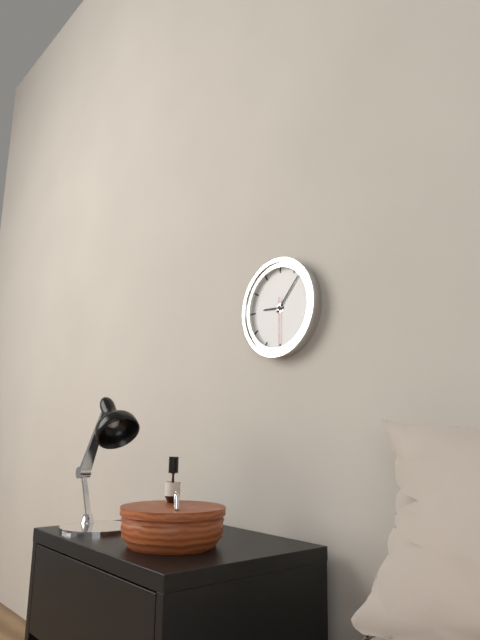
9:07
